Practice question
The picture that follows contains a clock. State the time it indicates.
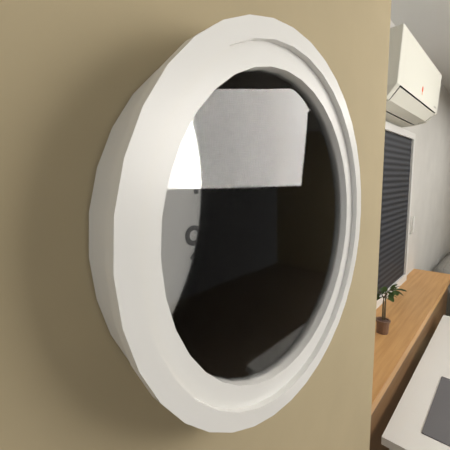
8:26
